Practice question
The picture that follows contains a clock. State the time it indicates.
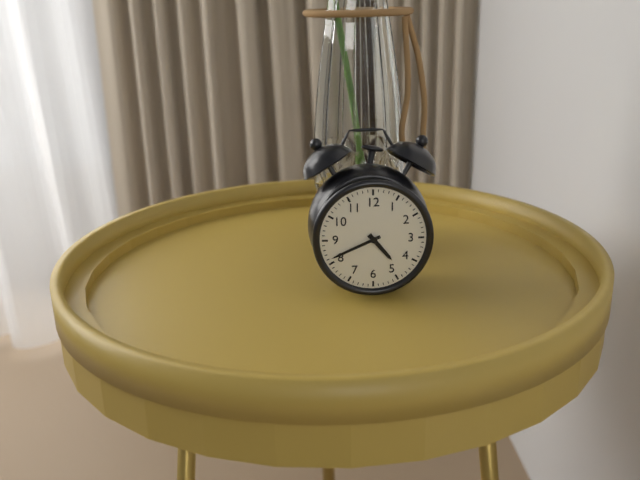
4:41
